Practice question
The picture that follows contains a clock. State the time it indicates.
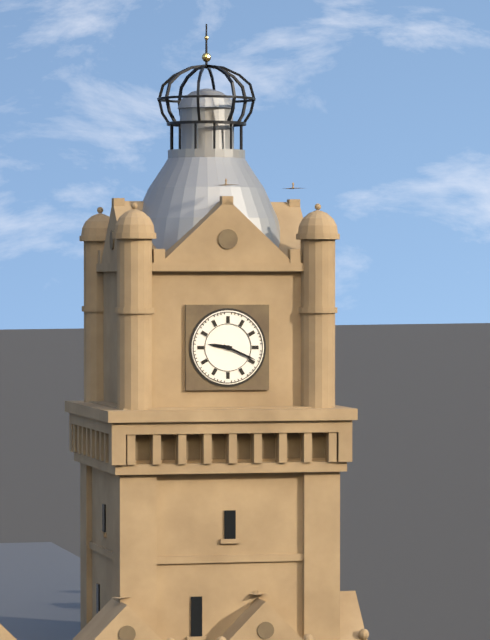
9:19
